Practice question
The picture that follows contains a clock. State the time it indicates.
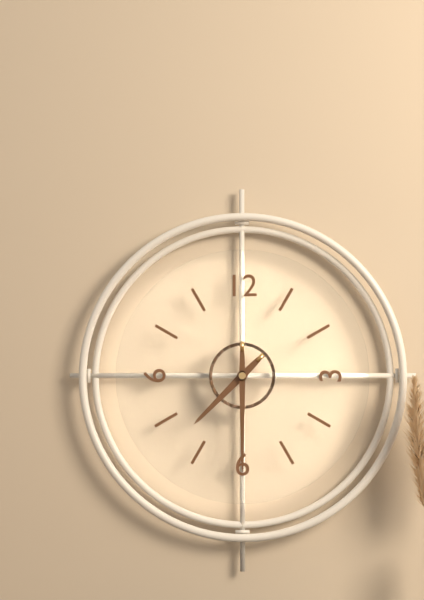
7:30
